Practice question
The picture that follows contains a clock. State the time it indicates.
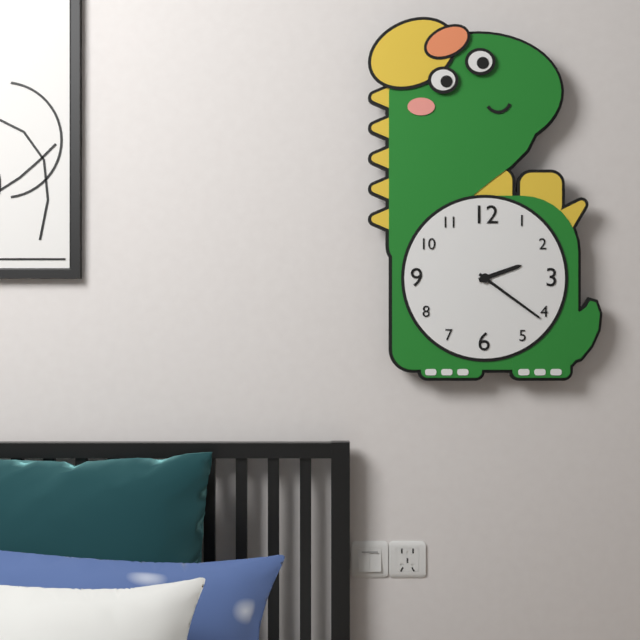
2:21
